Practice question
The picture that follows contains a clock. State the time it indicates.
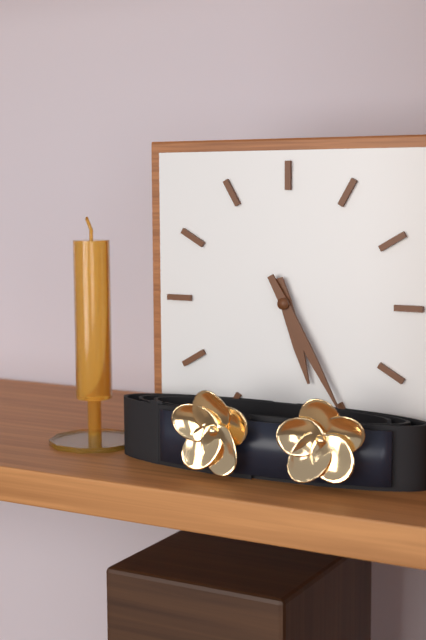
5:25
